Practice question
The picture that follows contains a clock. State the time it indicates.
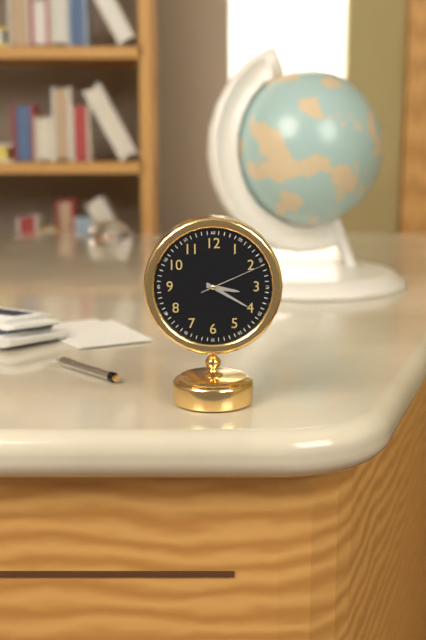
3:20:11
